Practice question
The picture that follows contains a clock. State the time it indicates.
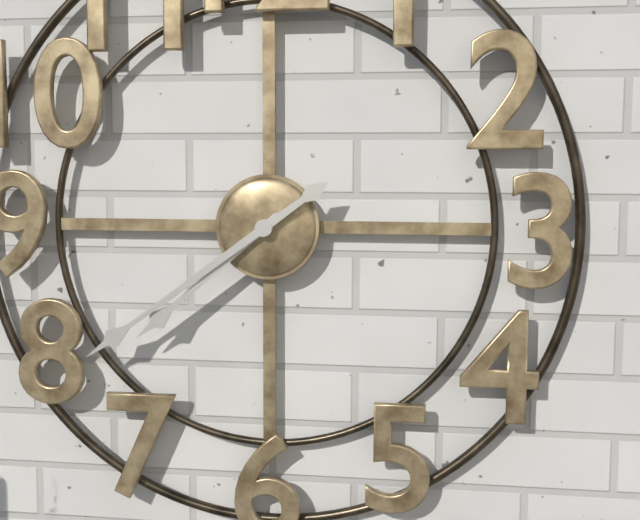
7:39
